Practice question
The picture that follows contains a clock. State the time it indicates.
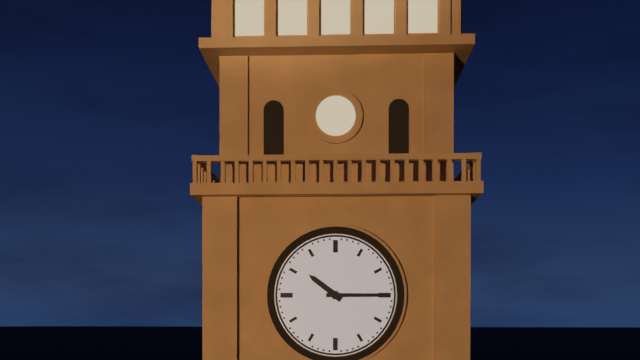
10:15
